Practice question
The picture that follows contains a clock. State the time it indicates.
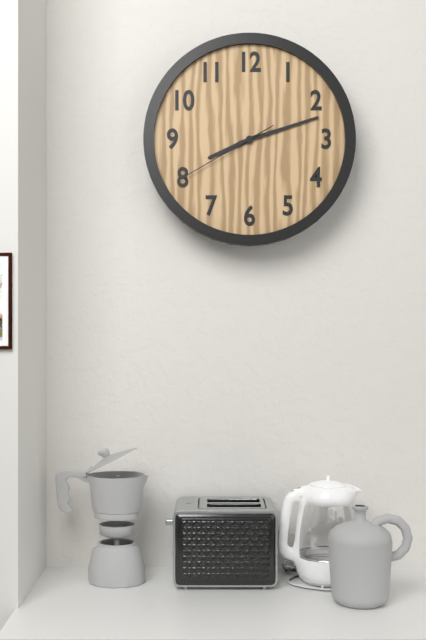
8:12:40
